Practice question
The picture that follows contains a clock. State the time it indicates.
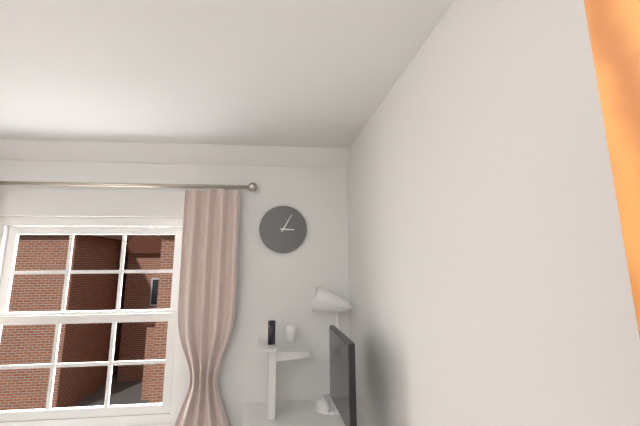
3:05
